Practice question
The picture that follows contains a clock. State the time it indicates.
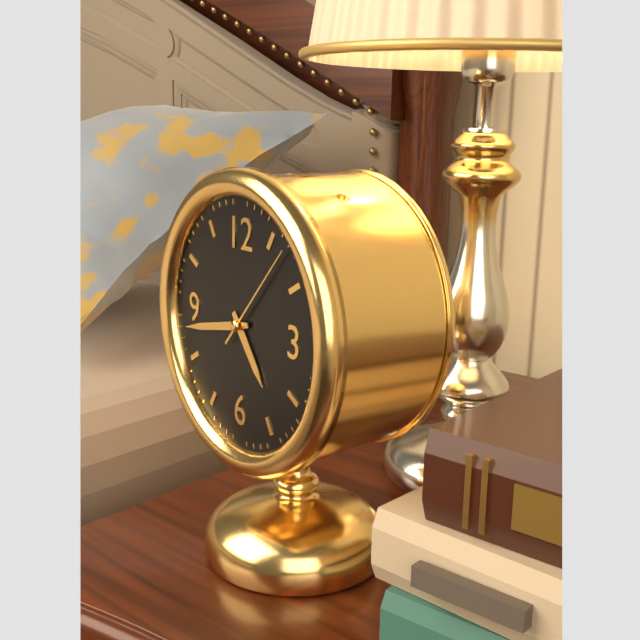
4:43:07
